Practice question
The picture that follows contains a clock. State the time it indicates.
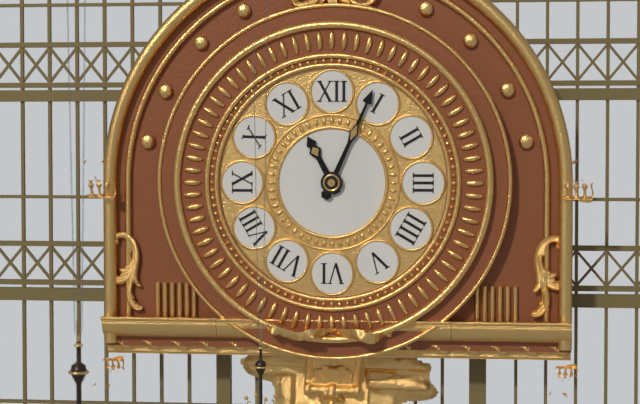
11:04
